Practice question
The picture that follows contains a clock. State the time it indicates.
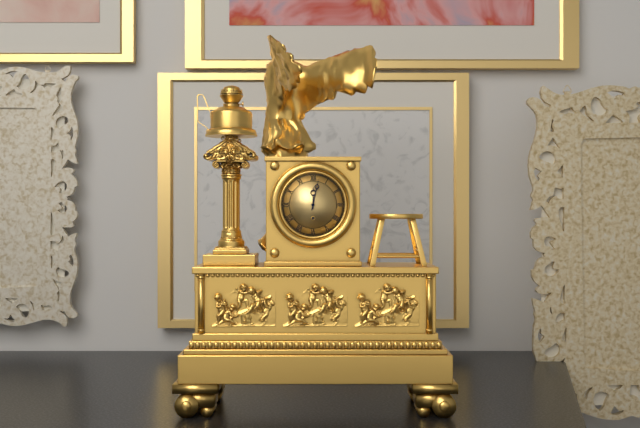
12:02
